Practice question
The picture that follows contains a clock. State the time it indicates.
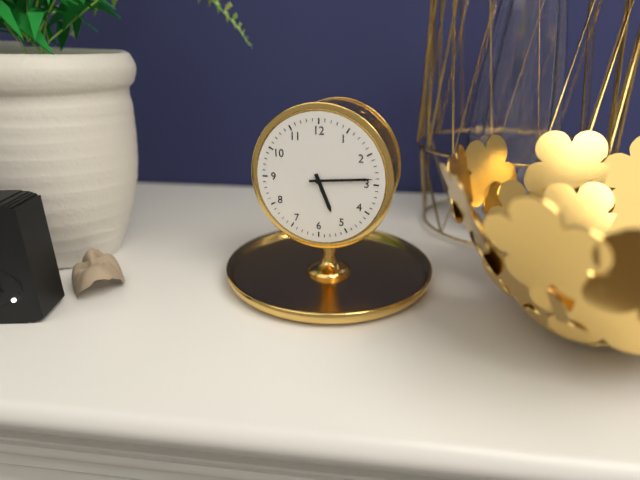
5:14
